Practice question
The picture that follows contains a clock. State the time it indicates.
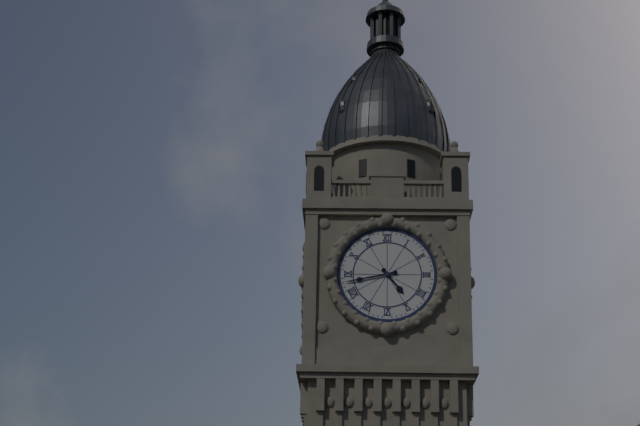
4:43
